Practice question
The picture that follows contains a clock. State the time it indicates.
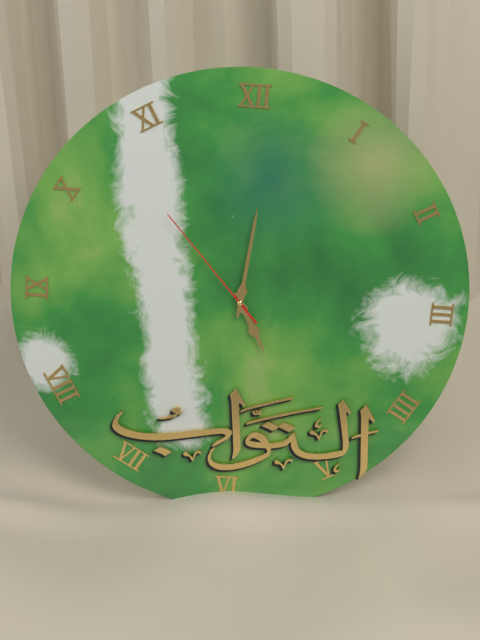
5:01:53
